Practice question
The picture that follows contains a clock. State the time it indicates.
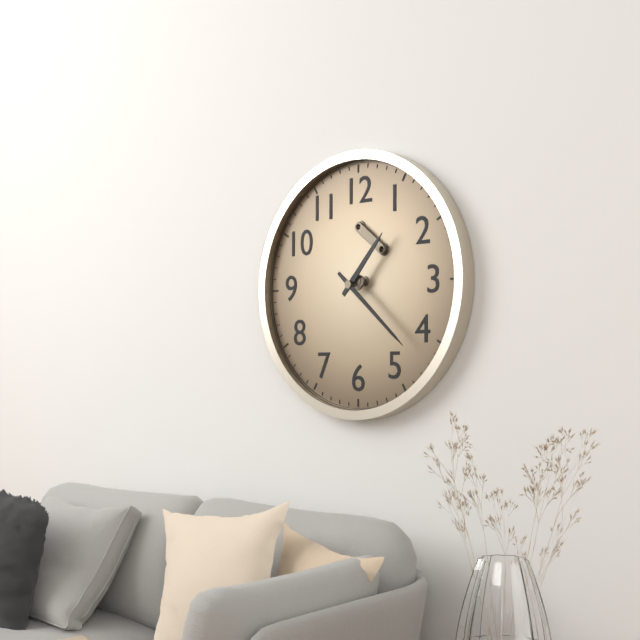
1:22
